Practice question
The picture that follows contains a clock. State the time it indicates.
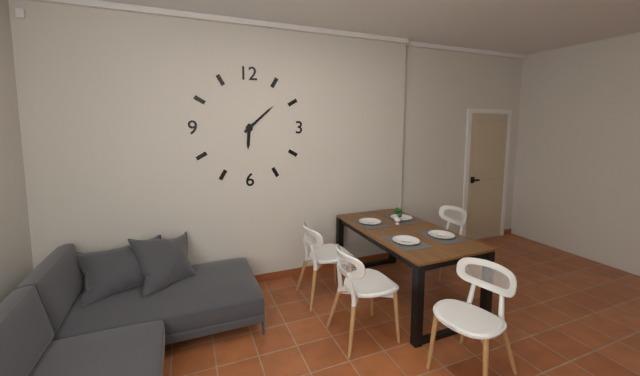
6:08
